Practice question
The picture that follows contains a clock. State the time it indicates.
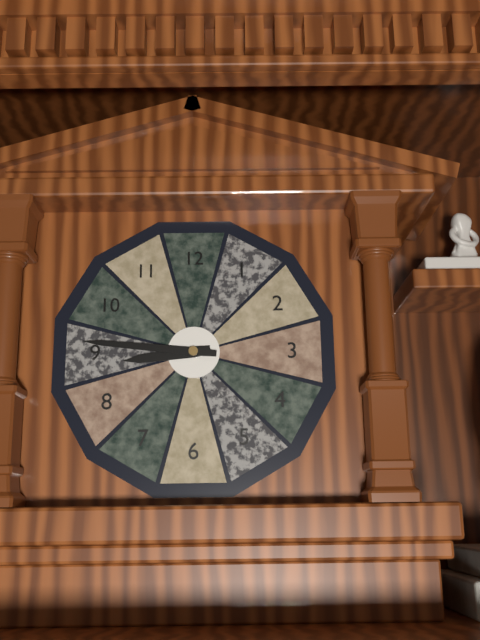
8:46
